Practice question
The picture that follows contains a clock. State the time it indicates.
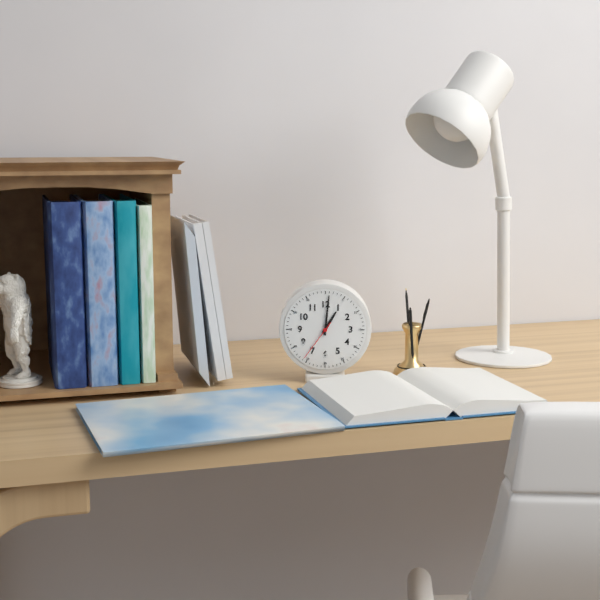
1:01
